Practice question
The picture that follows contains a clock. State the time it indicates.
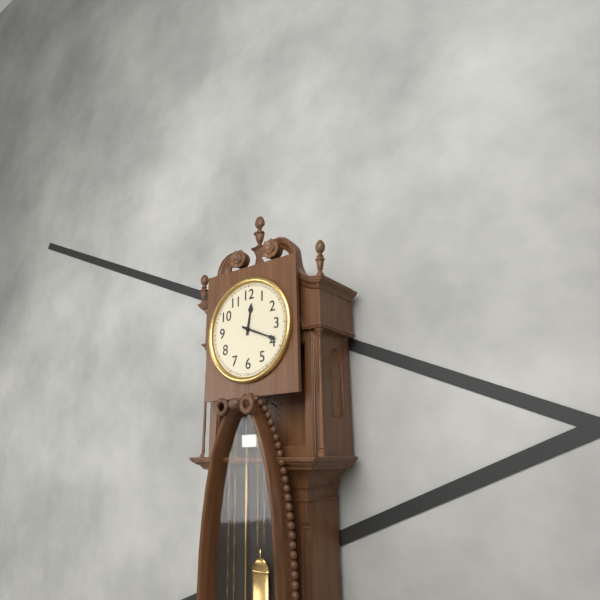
12:19
